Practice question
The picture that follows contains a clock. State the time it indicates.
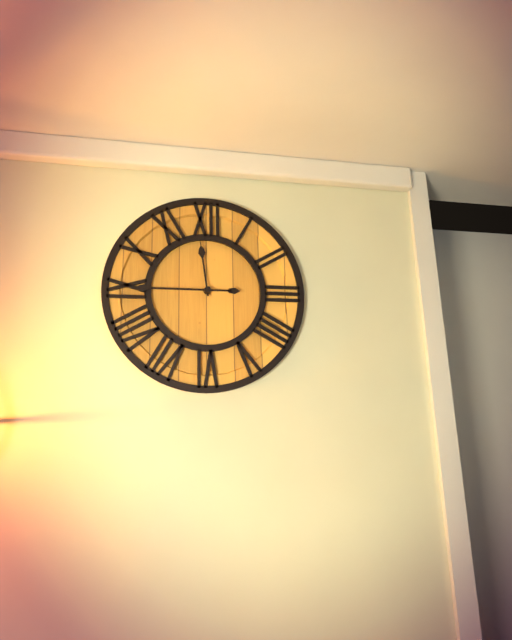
11:45
